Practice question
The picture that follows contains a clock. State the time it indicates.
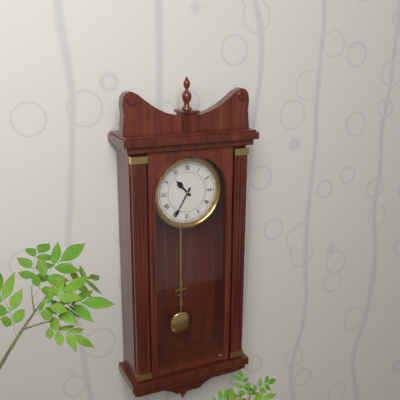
10:35
